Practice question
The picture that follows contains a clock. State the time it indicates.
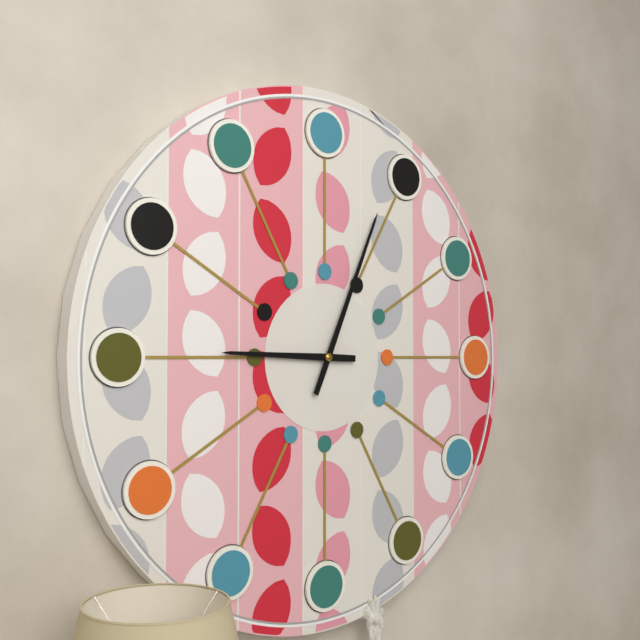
9:04
